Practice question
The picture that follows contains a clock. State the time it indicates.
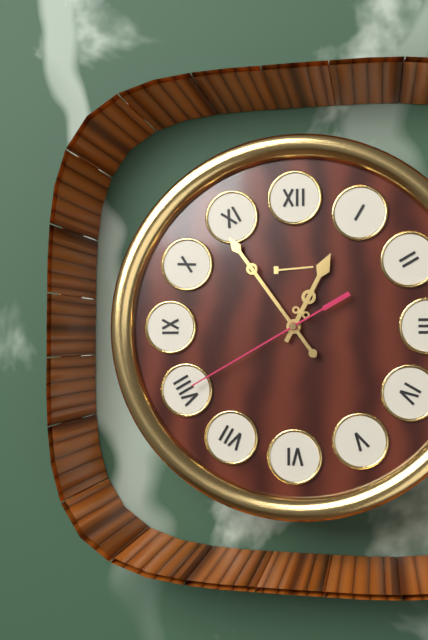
12:54:40
